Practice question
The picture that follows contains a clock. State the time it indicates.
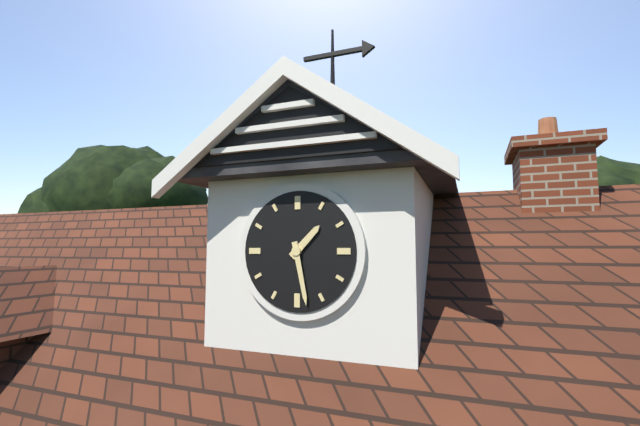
1:28
